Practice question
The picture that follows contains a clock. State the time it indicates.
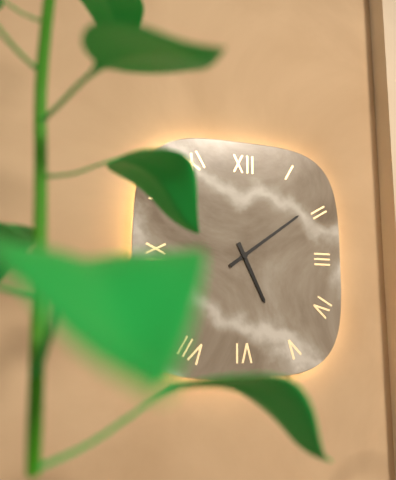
5:09
